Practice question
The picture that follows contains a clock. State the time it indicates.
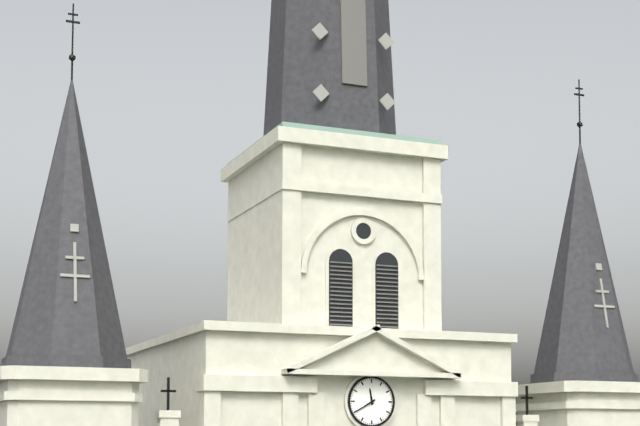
11:40
